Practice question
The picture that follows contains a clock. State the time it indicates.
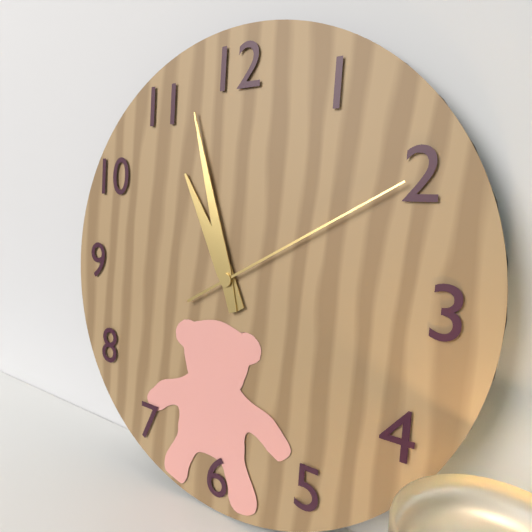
10:57:10
